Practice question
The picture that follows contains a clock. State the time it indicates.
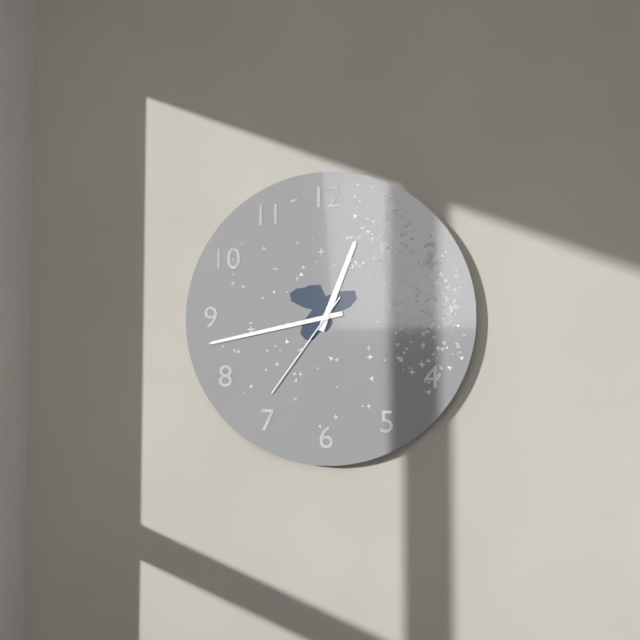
12:43:36
